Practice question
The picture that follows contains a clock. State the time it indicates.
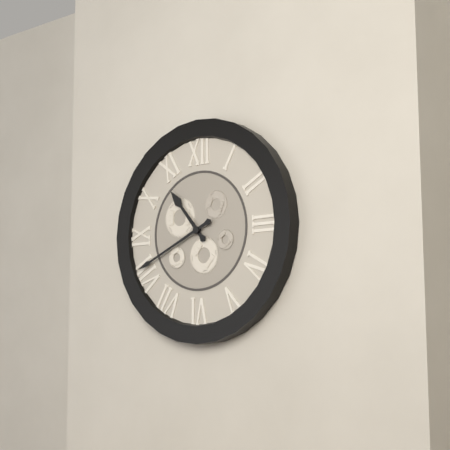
10:41
